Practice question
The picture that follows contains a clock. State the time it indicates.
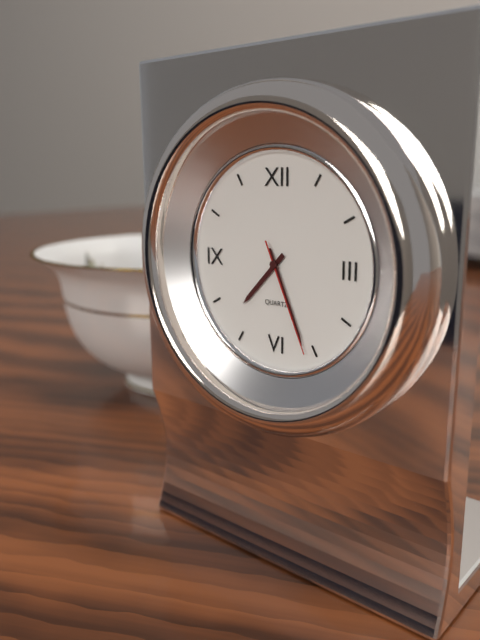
7:26:26
